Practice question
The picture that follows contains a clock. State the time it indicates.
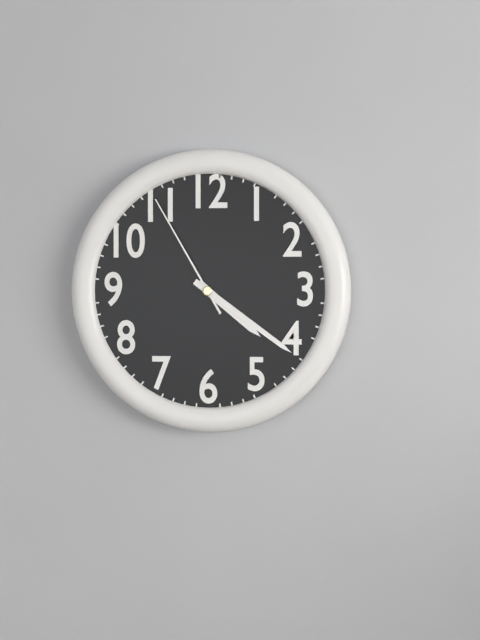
4:21:55
